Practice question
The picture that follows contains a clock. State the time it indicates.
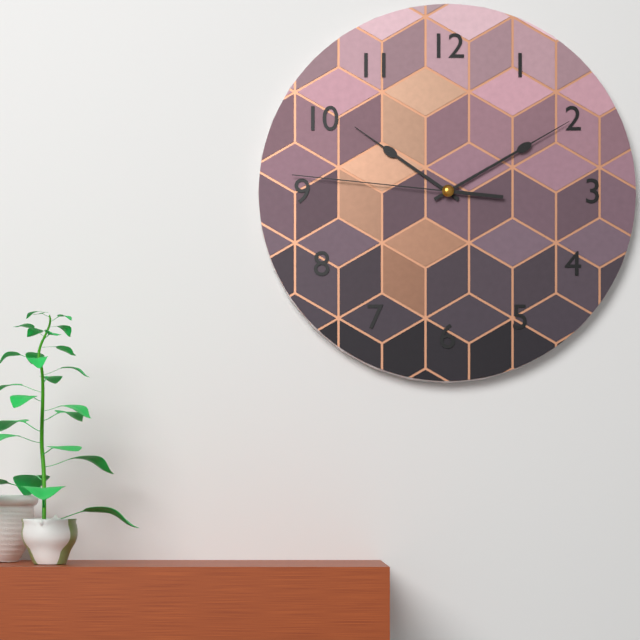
10:10:46
